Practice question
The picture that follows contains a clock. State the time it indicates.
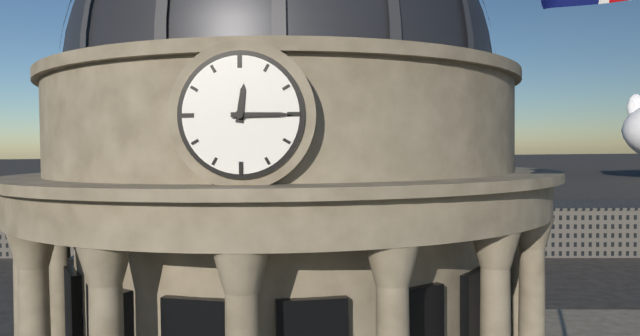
12:15
